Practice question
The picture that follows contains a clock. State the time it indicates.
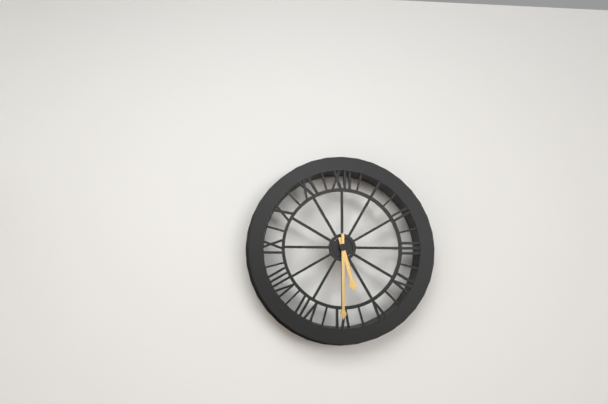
5:30
